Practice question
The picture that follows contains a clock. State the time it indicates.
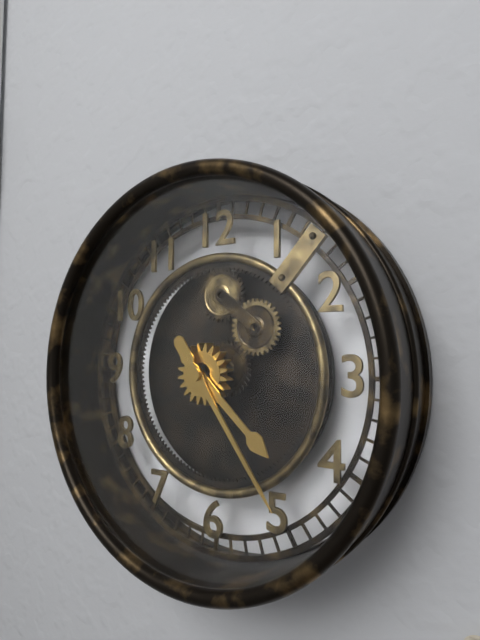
4:24
